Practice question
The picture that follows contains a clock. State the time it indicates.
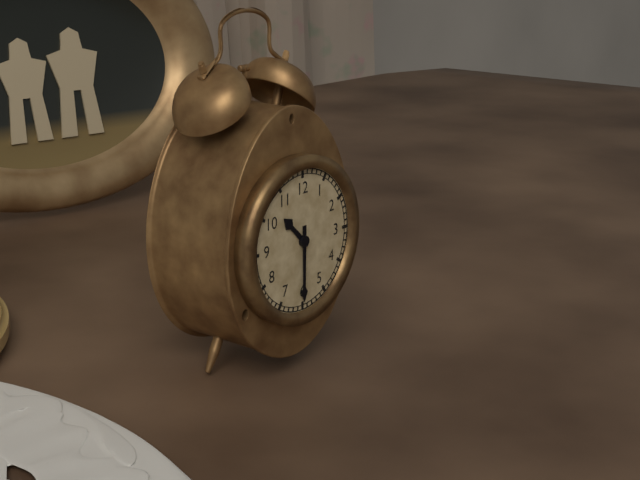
10:30
